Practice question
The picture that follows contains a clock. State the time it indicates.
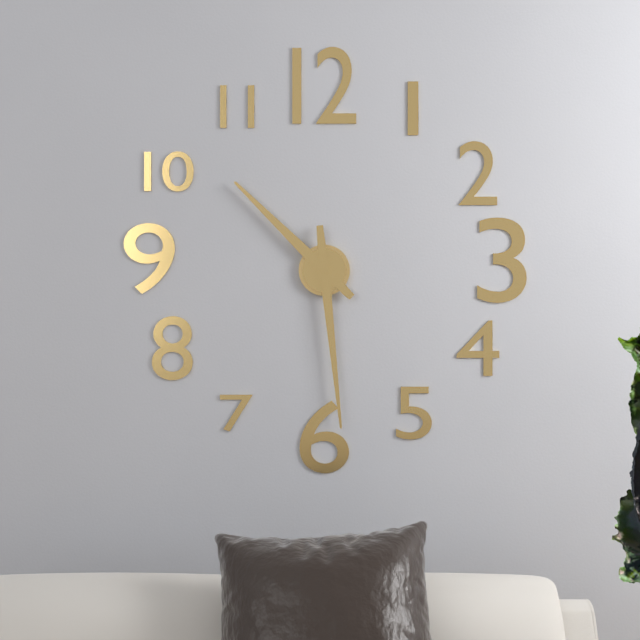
10:29
